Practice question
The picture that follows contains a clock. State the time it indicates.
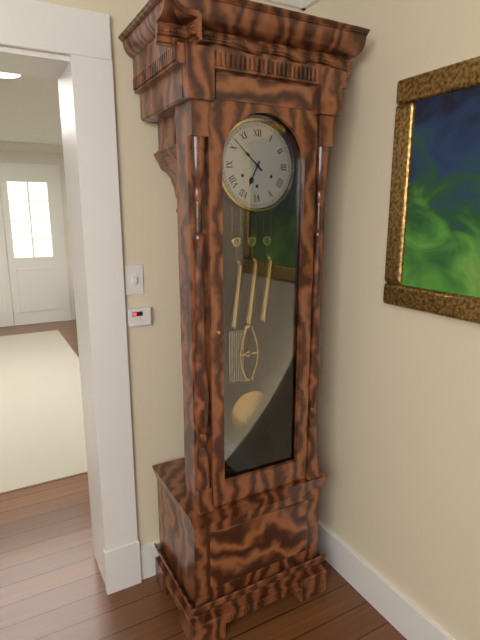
6:52
